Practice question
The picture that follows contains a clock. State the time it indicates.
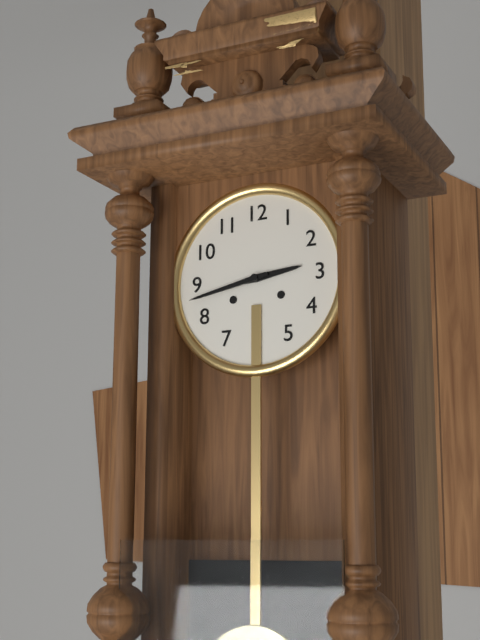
2:43
